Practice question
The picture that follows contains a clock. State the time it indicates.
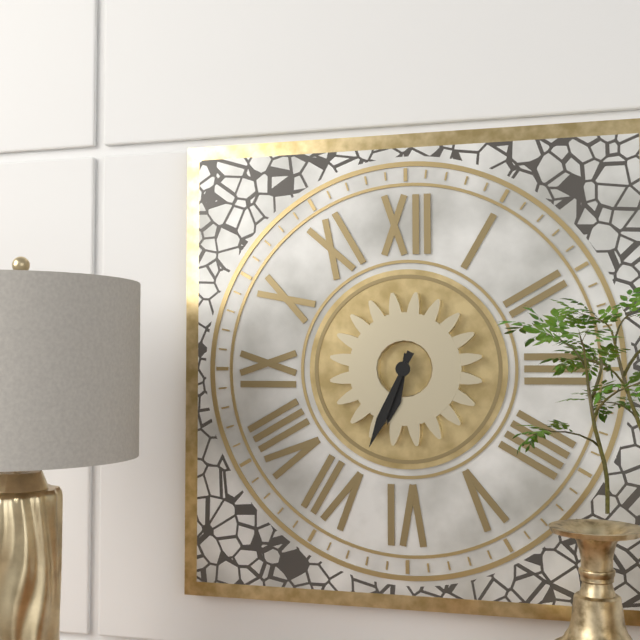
6:34
